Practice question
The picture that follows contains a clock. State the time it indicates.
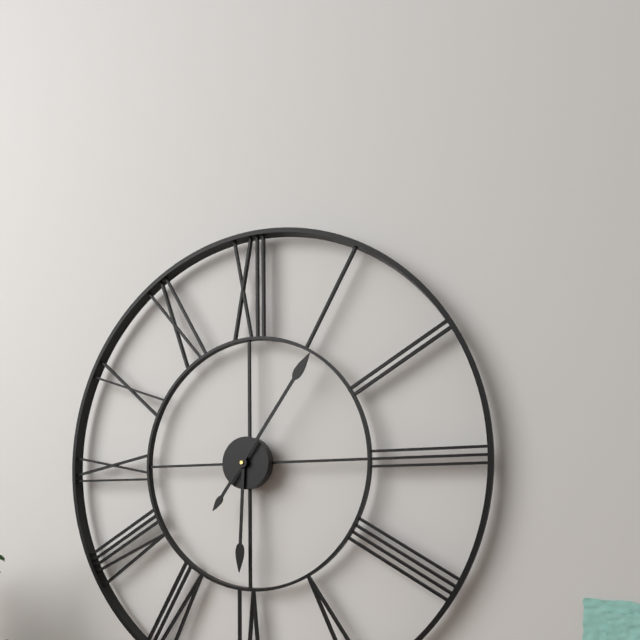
6:06
